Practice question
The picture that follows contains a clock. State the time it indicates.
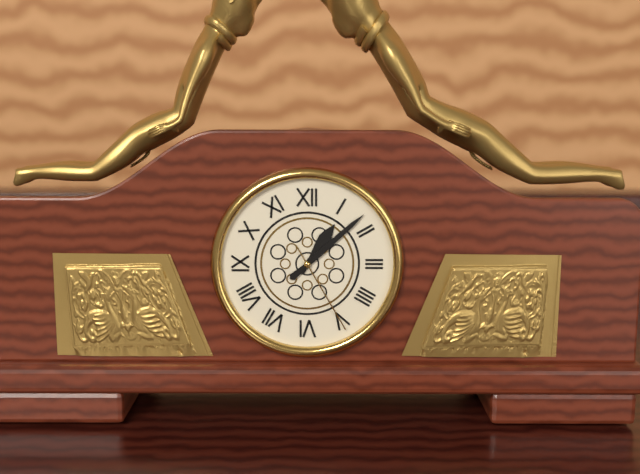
1:08:25
